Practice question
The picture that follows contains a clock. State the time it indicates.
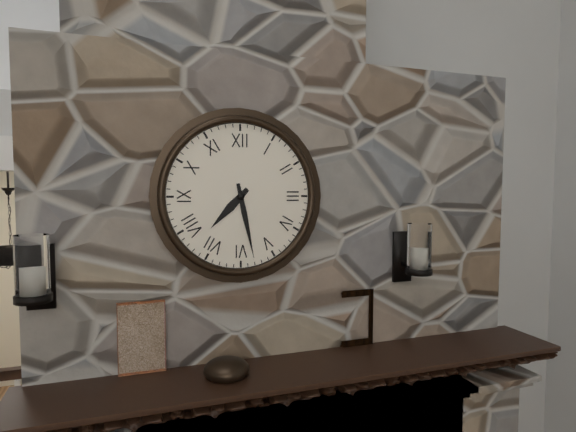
7:28
